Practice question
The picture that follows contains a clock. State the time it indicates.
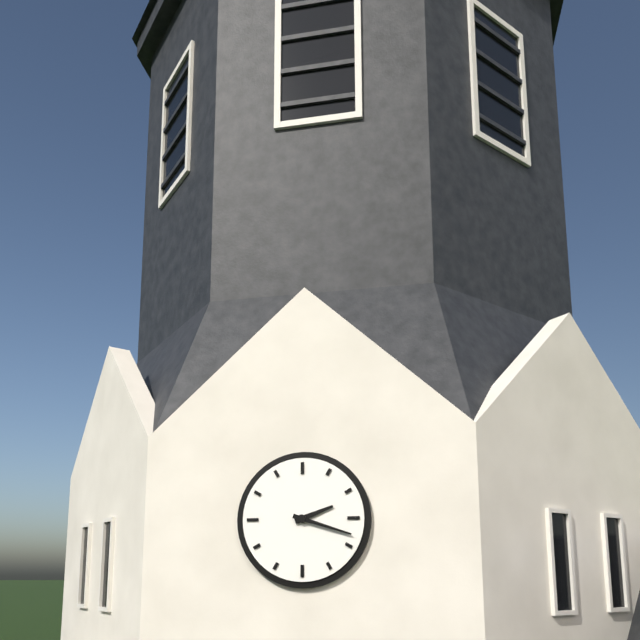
2:18
